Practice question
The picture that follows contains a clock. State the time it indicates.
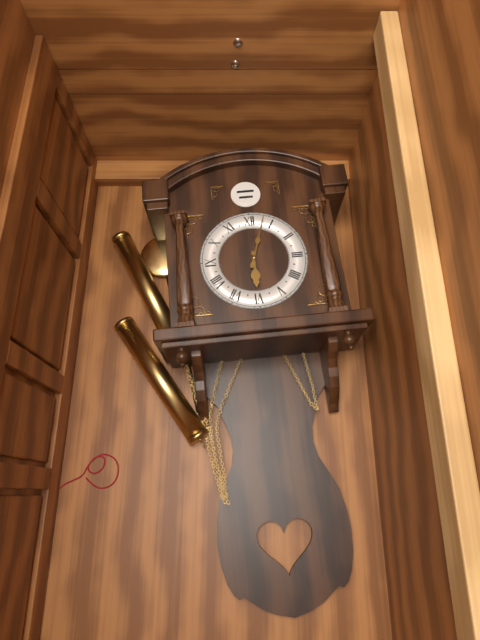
6:03
